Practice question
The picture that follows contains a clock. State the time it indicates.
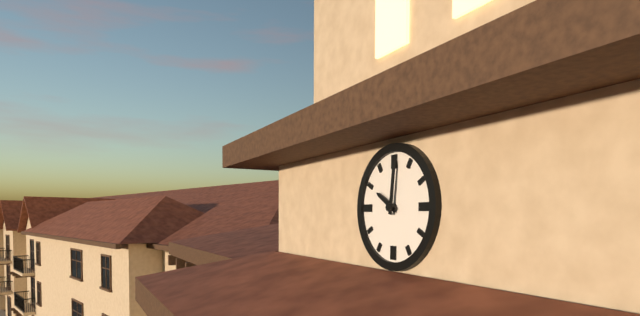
10:01
